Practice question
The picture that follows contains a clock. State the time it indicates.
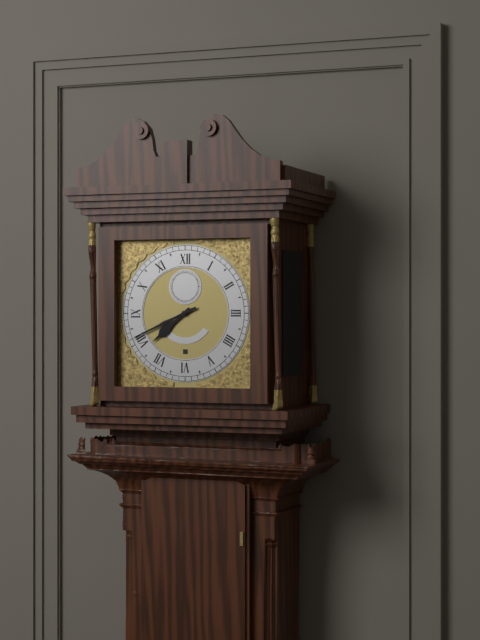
7:41
